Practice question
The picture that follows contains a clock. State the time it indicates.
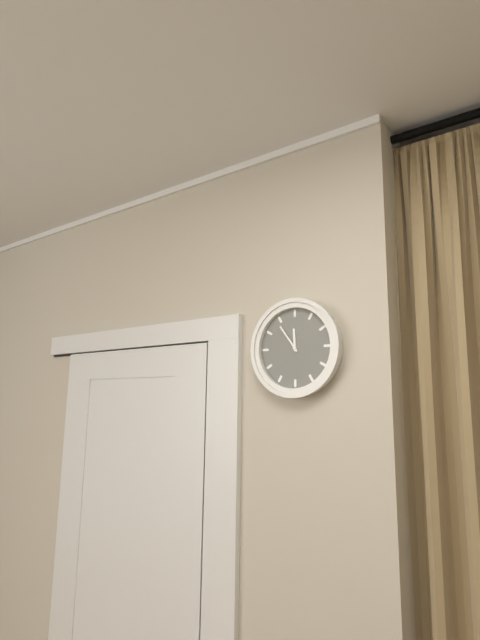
11:54
